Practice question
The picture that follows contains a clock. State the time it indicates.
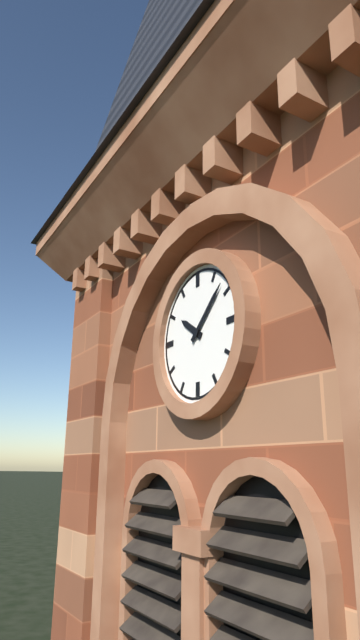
10:08
